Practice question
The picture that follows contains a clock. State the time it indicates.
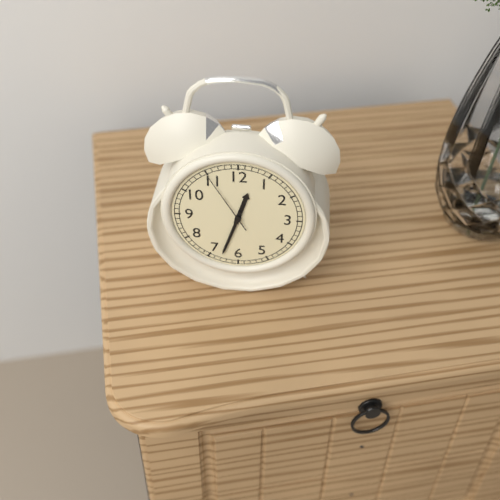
12:33:55
